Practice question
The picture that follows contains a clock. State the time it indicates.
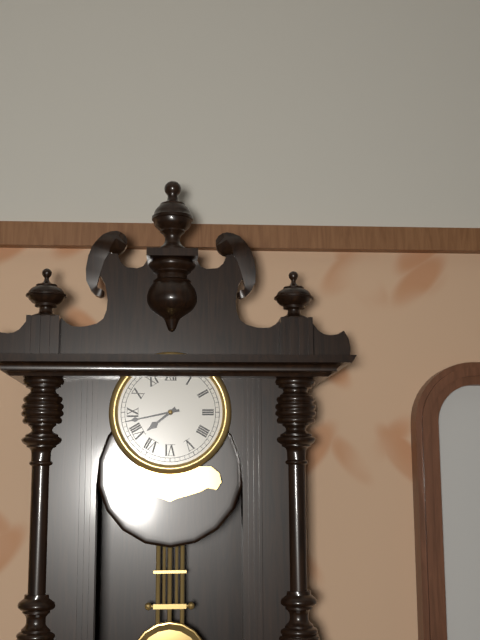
7:43
